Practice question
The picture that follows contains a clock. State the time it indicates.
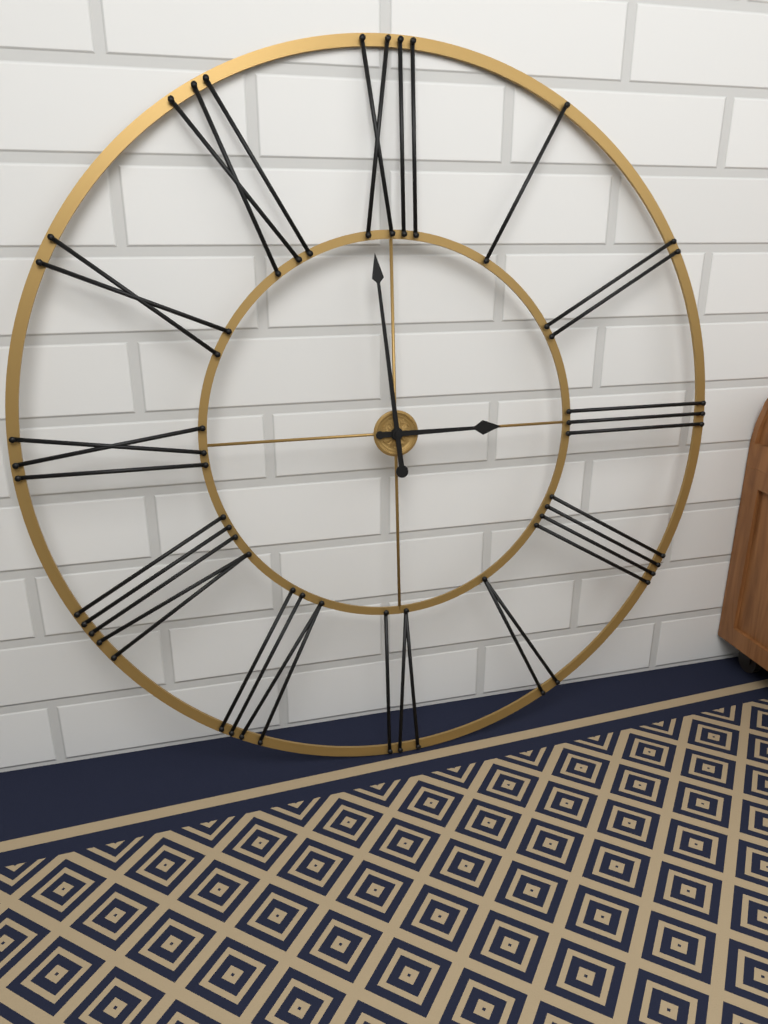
2:59
